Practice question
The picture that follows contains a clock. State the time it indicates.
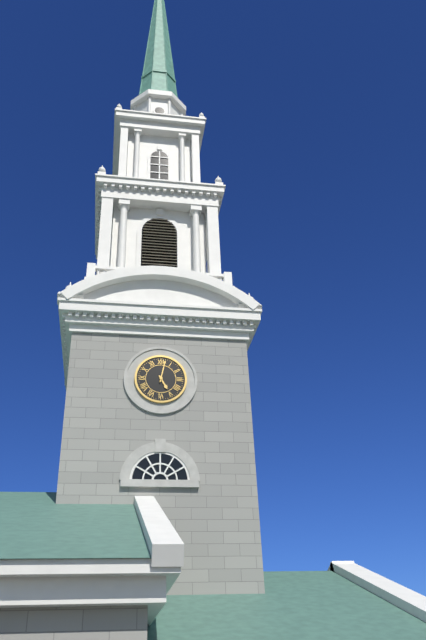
5:02
